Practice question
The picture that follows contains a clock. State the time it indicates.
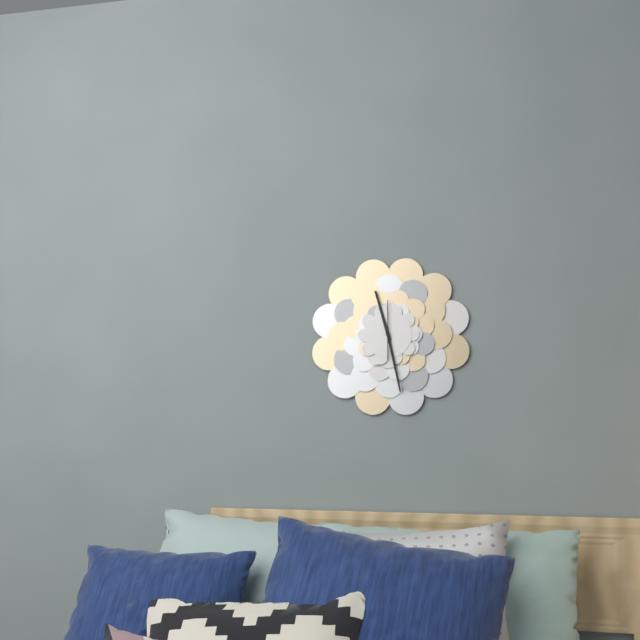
11:28
